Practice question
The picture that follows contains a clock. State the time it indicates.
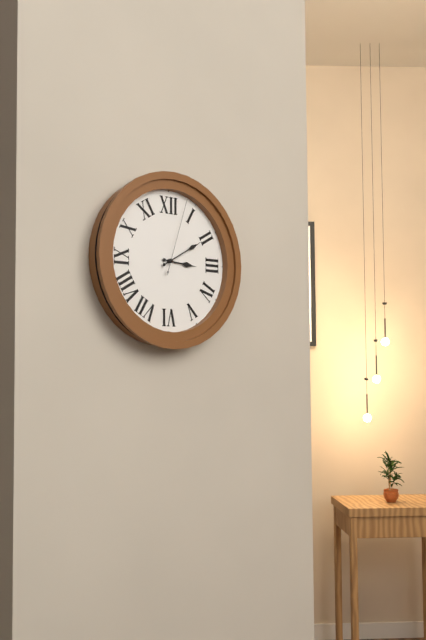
3:10:03
